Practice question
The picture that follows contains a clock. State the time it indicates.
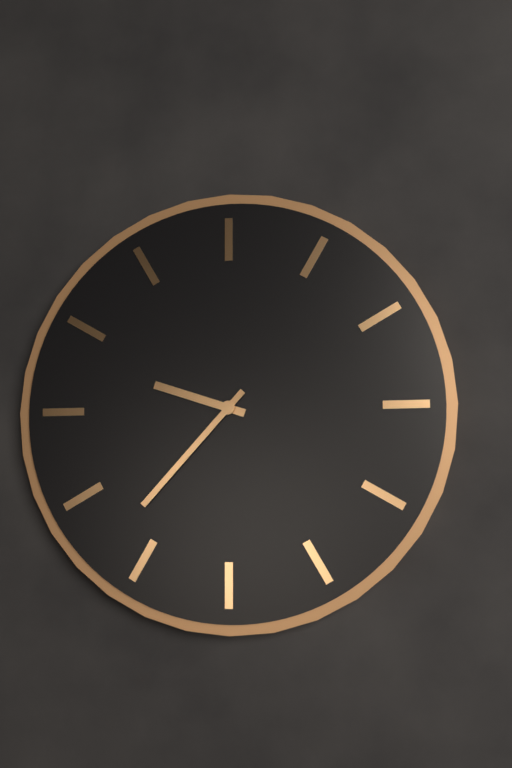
9:37
